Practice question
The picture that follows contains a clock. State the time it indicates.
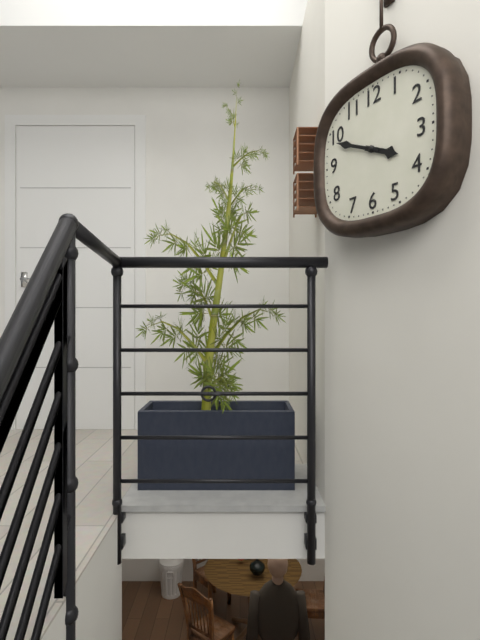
3:49
